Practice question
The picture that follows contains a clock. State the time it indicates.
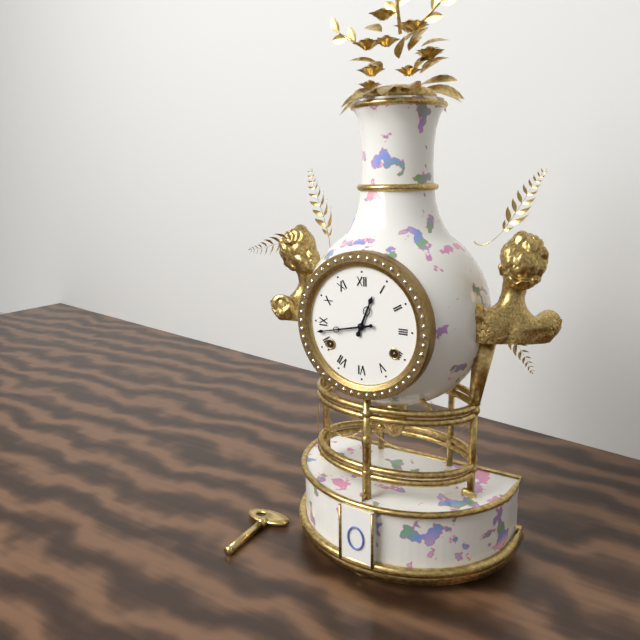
12:43
